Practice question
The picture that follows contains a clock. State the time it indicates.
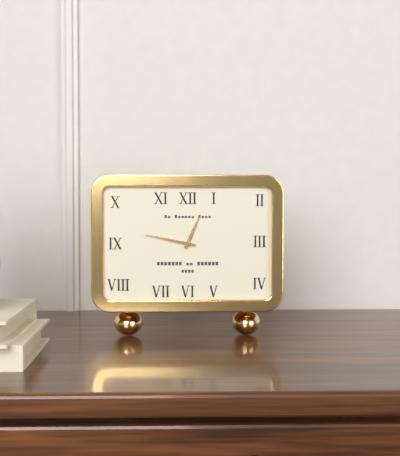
12:47
